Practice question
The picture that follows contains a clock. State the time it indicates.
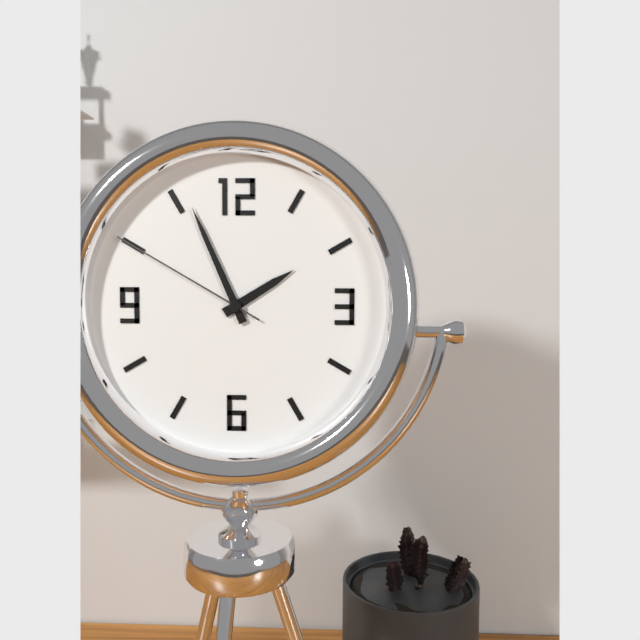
1:56:50
